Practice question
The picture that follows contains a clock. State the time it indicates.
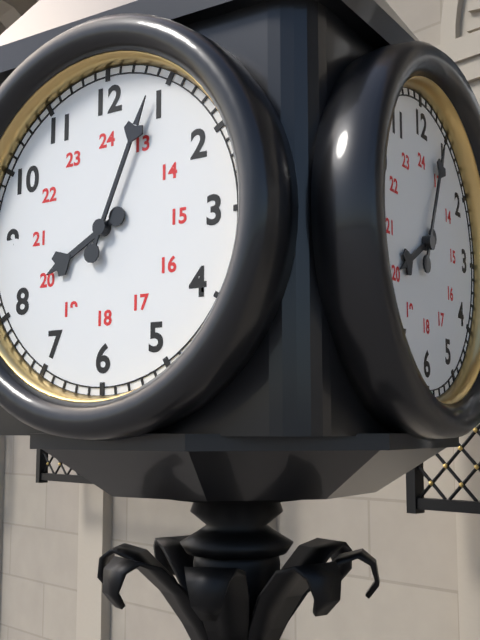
8:04
